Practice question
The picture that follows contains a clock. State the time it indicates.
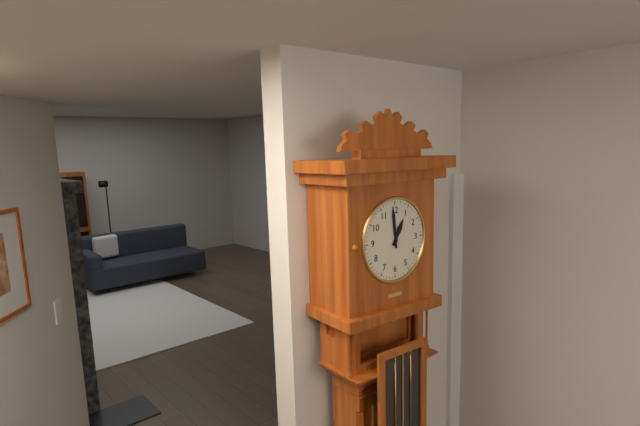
12:59
